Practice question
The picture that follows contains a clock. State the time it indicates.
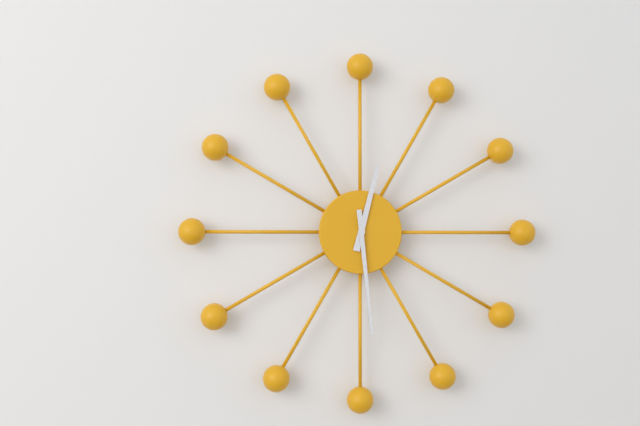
12:29
